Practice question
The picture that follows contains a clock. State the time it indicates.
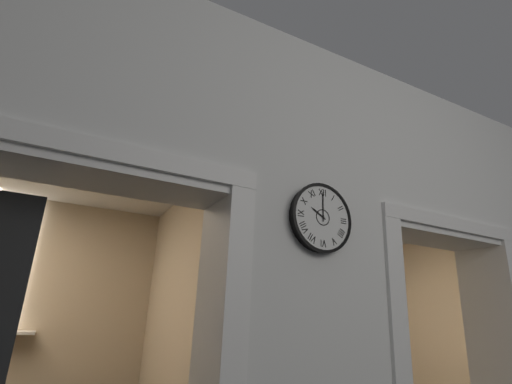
10:00
